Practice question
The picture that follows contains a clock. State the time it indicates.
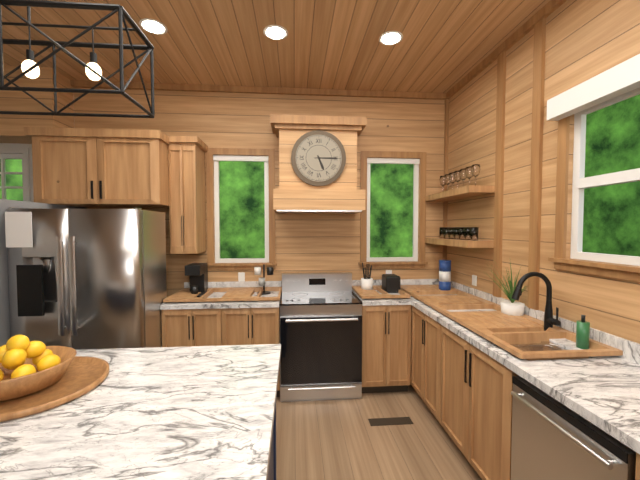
5:15
